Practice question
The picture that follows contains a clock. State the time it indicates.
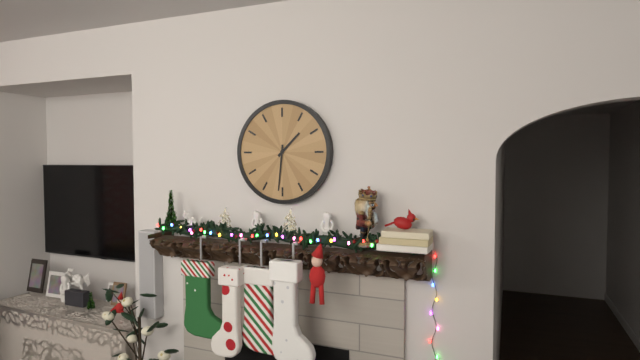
1:31
